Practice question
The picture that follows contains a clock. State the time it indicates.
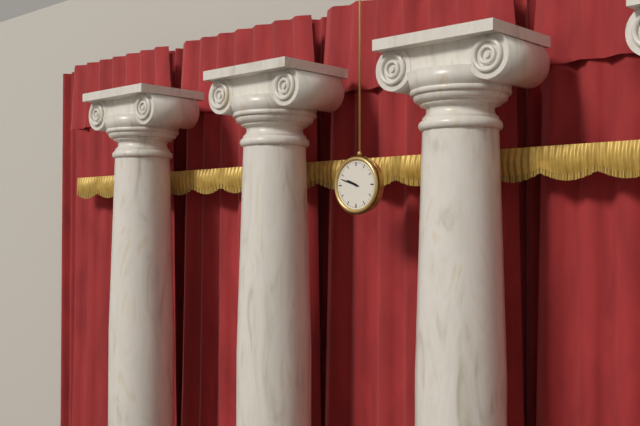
9:48
